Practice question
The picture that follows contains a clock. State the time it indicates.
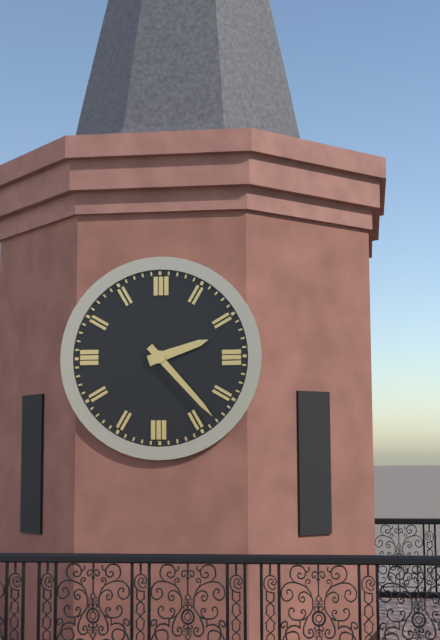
2:23
